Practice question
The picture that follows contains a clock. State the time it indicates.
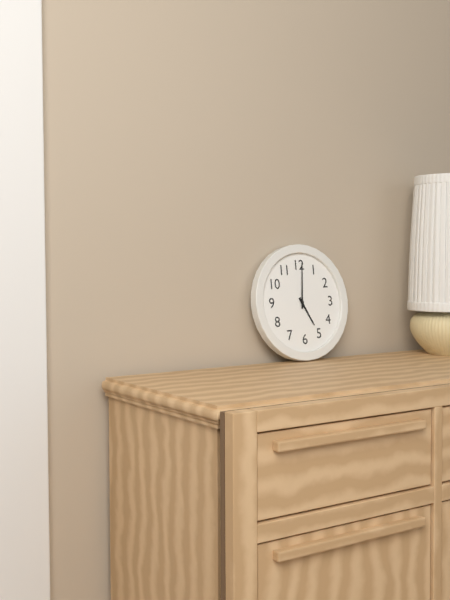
5:01
